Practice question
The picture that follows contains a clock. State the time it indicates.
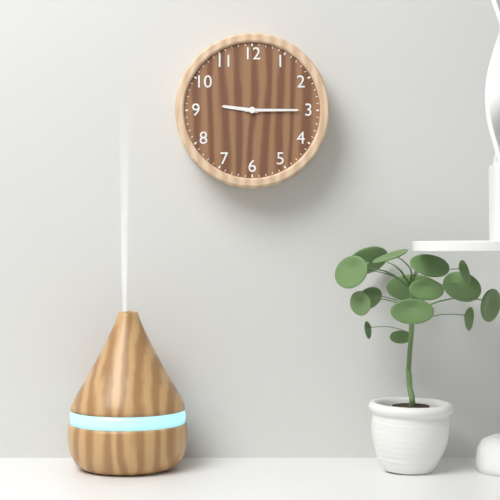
9:15
